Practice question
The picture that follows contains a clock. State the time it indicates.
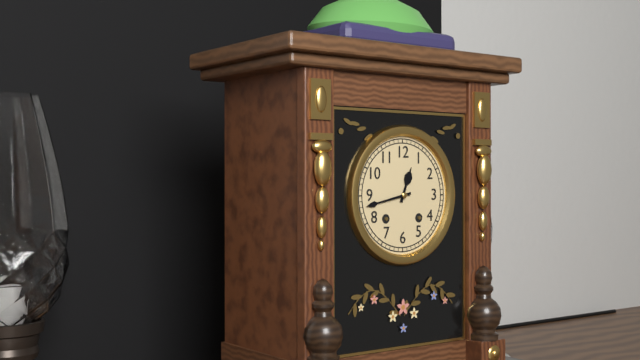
12:43
